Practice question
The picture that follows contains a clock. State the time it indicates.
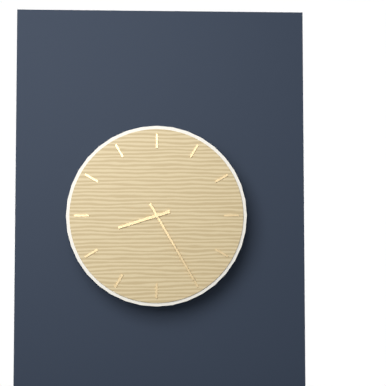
8:25
